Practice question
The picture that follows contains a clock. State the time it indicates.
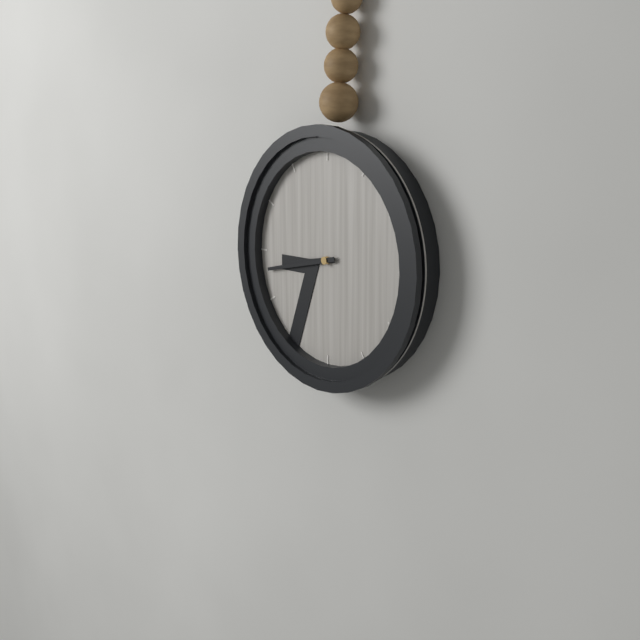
8:43
